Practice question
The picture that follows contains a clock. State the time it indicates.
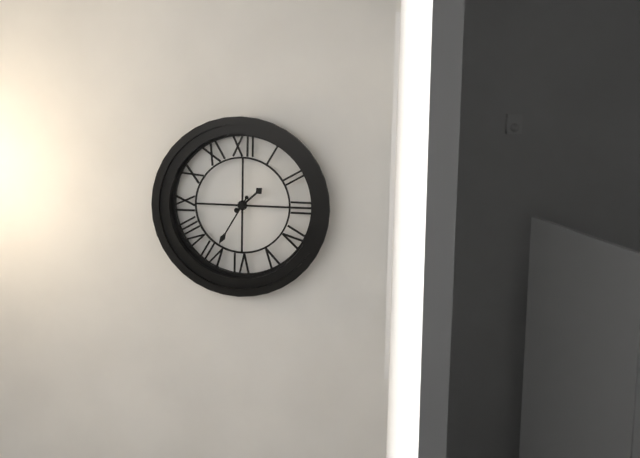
1:35
